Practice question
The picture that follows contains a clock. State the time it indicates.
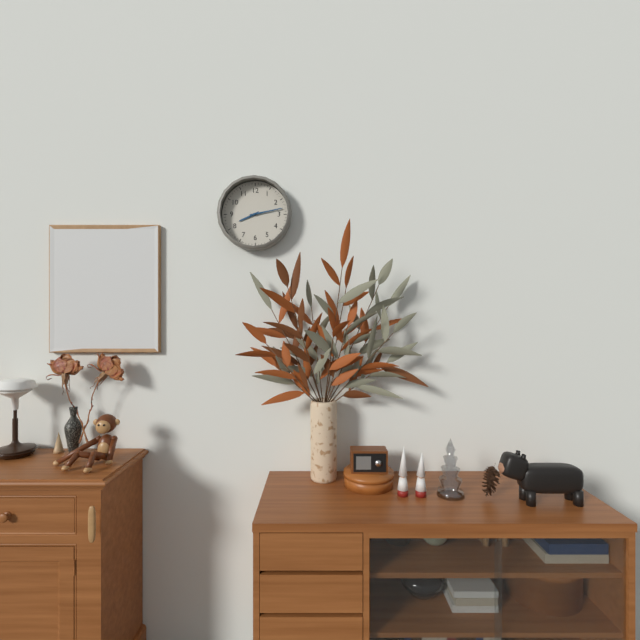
8:13
